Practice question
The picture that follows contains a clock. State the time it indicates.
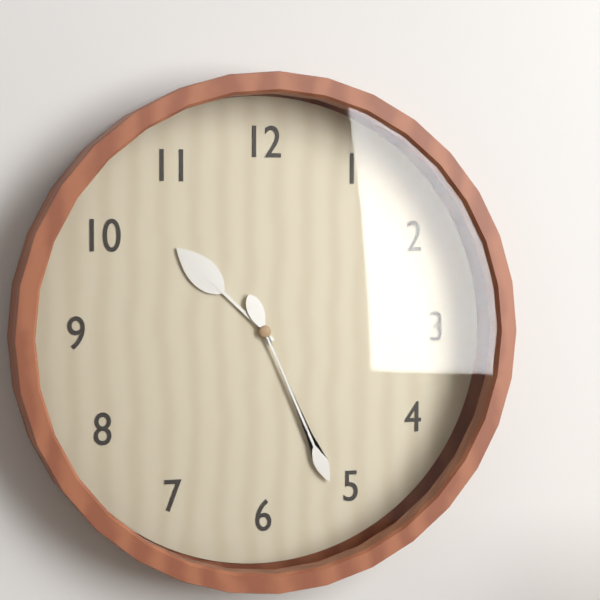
10:26
